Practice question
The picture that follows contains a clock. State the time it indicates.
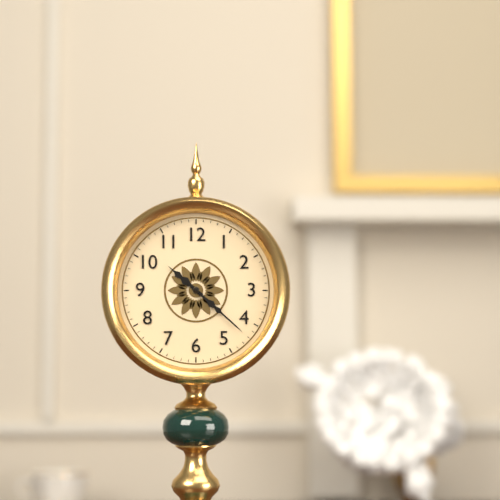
10:22
